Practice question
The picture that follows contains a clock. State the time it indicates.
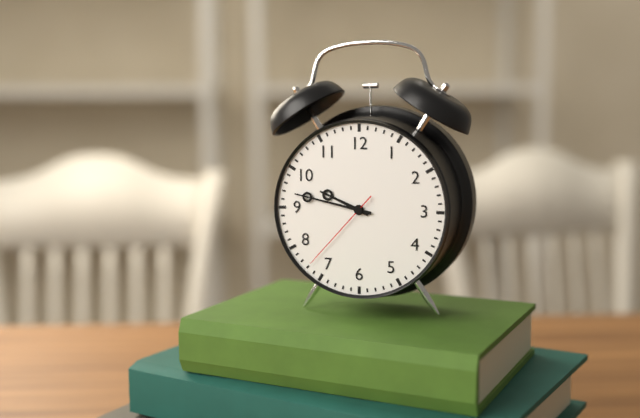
9:47:37
